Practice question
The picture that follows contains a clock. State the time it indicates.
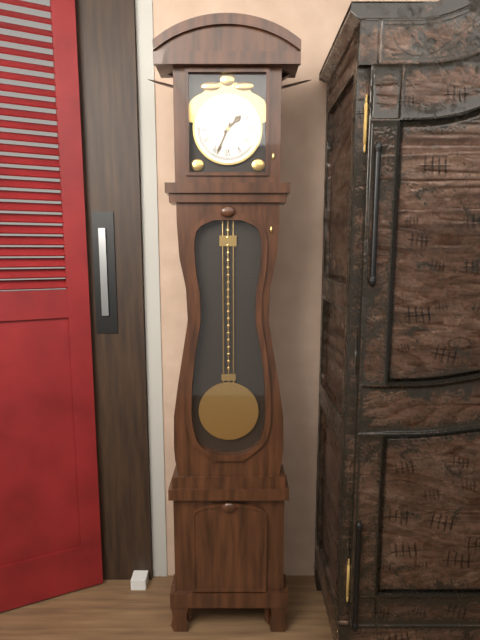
1:34
